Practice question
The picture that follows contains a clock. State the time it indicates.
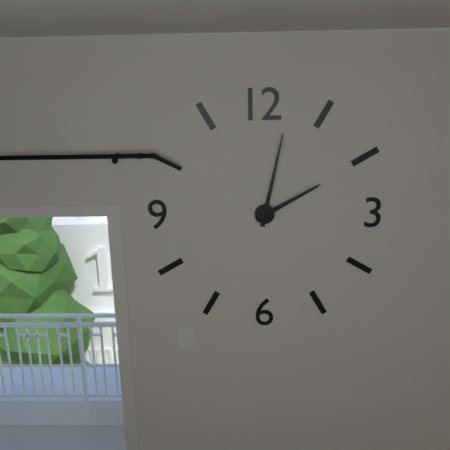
2:02
